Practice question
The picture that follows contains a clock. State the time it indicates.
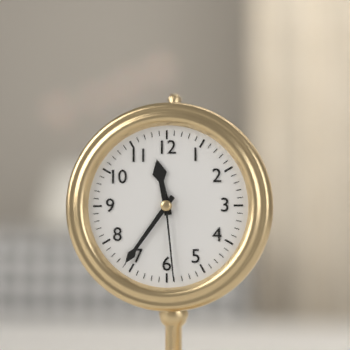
11:36:29
